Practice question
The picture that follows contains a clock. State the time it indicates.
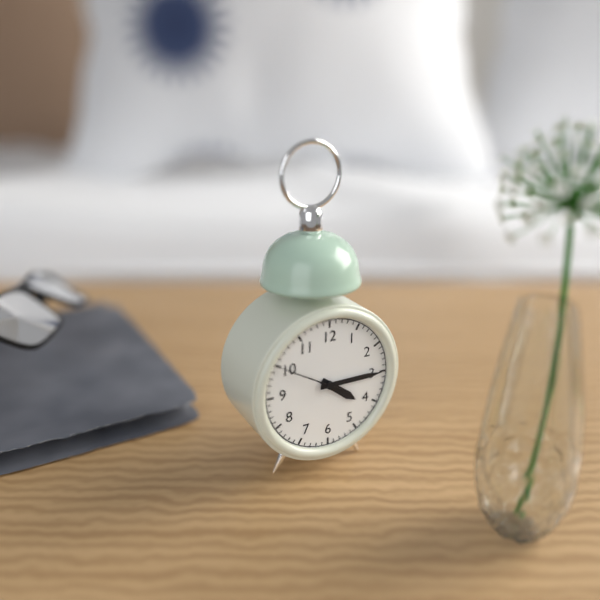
4:15:50
